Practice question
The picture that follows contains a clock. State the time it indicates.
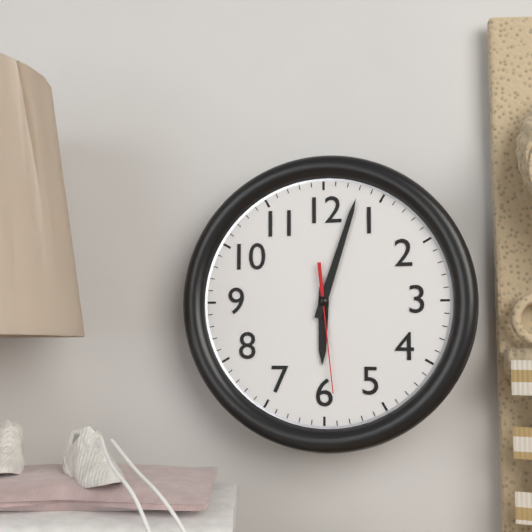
6:03:29
